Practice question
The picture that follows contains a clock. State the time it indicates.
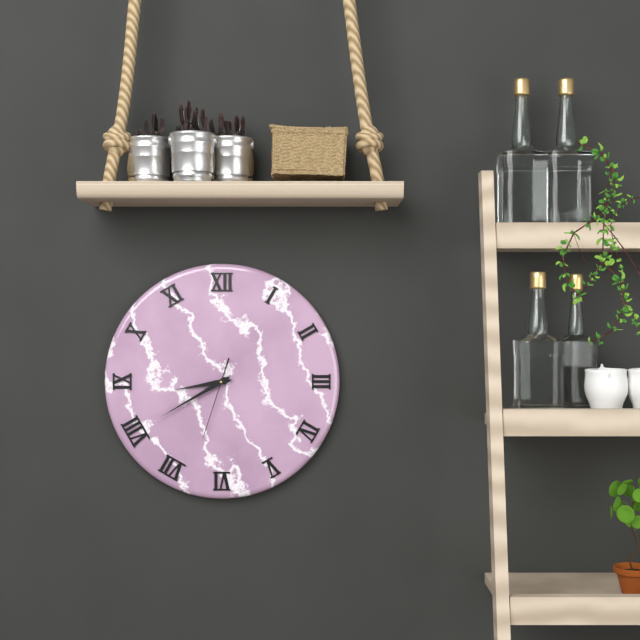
8:40:33
